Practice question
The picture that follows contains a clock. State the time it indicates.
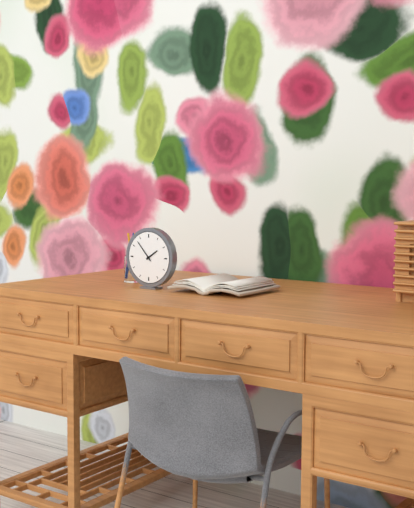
1:53
